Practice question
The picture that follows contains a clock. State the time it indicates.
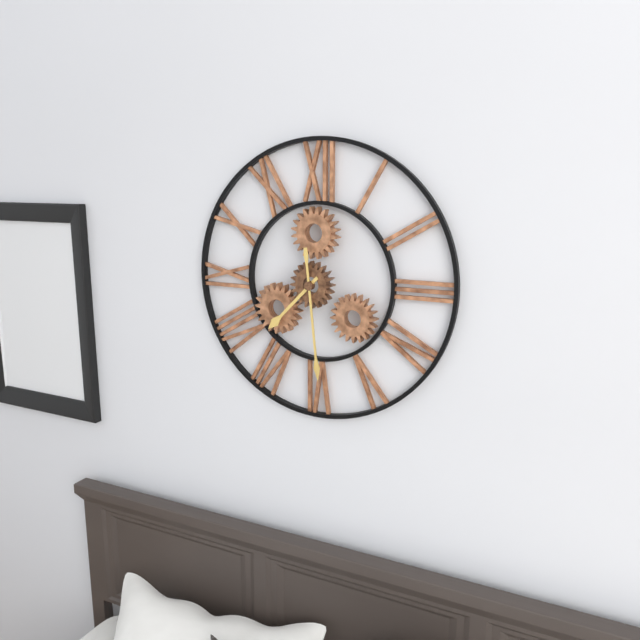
7:29
